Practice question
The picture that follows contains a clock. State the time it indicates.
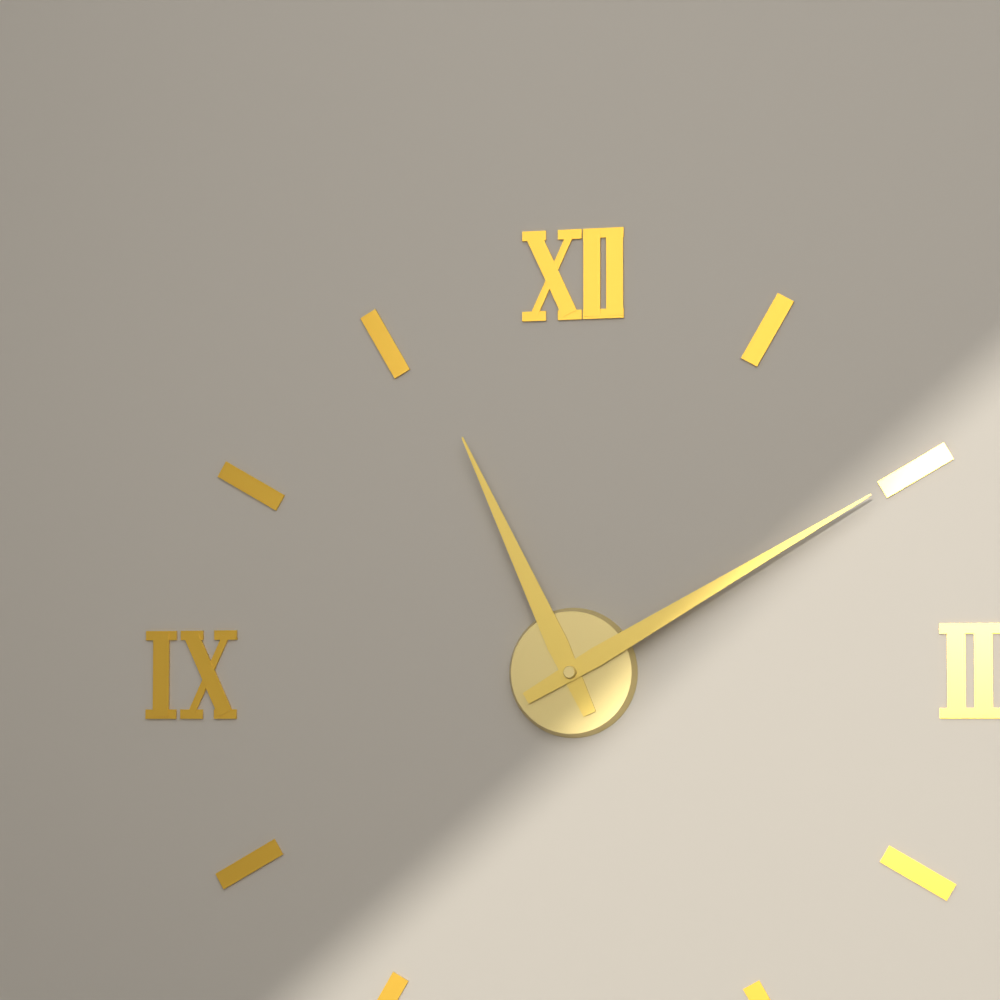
11:10
